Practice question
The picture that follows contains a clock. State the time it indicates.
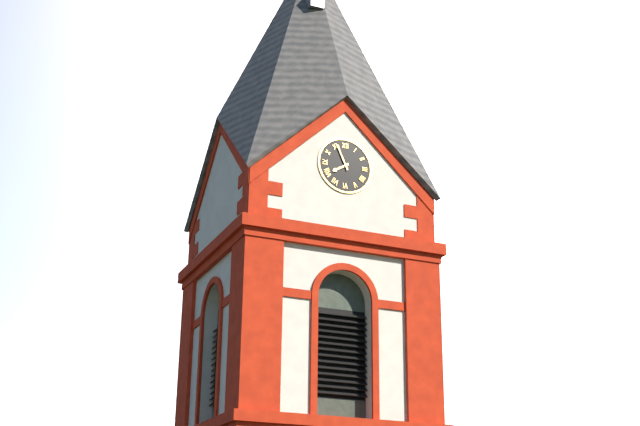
7:56
